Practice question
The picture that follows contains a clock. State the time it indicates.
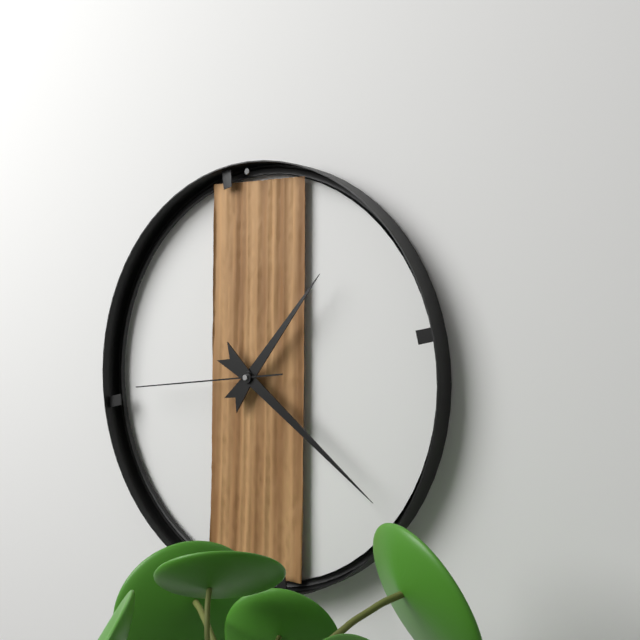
1:21:44
